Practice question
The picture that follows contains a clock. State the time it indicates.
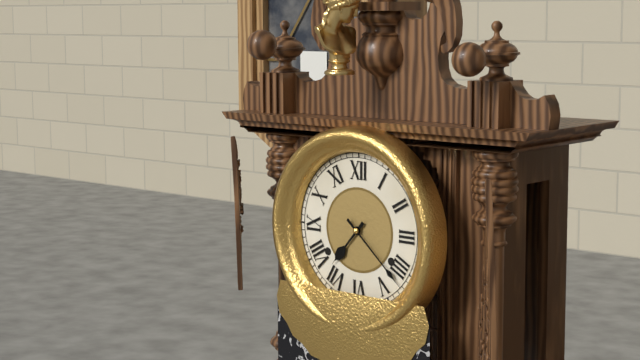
7:22
